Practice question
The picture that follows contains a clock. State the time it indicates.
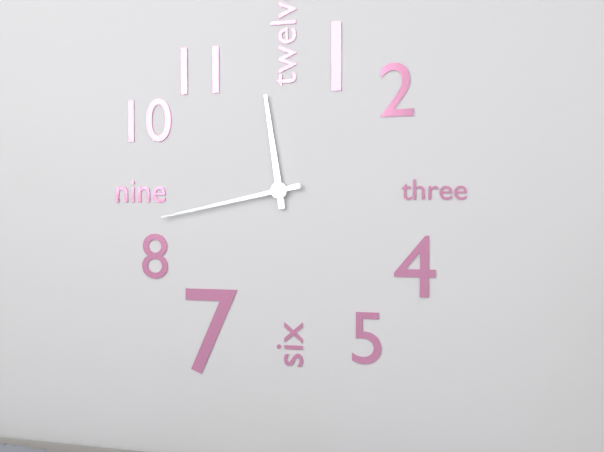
11:43
